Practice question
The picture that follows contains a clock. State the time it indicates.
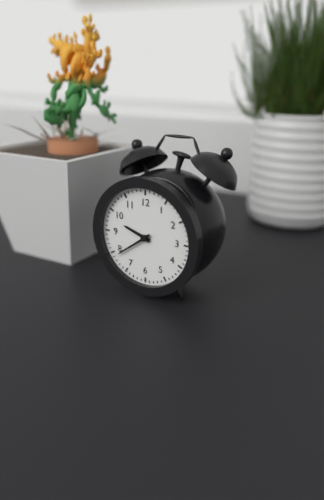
9:39
